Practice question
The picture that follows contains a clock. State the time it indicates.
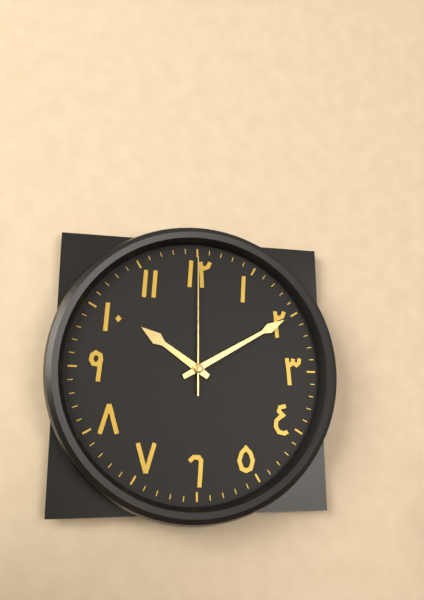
10:10:00
